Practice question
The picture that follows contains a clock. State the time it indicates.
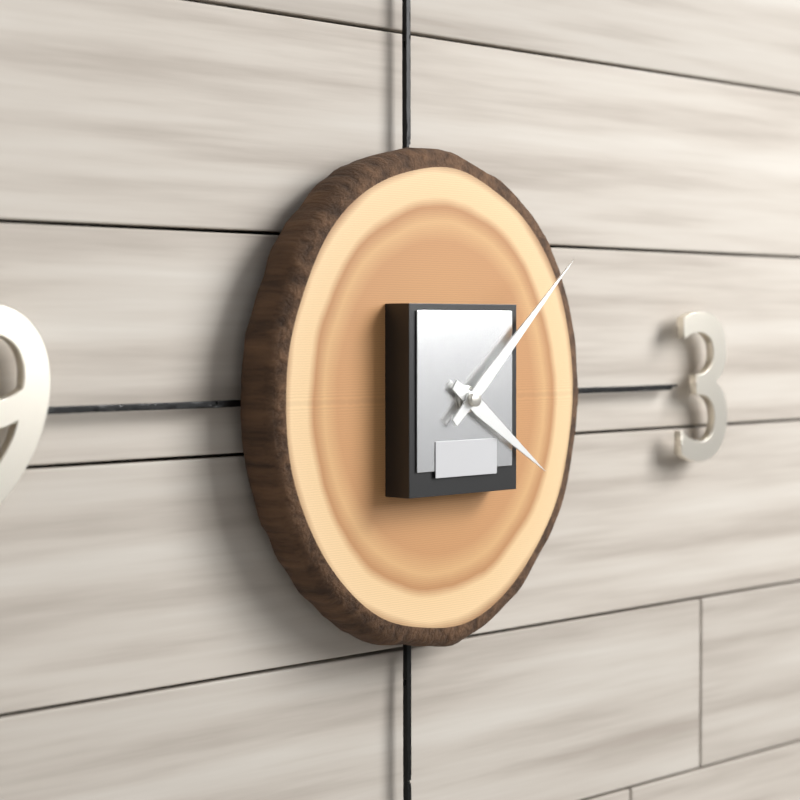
4:08
